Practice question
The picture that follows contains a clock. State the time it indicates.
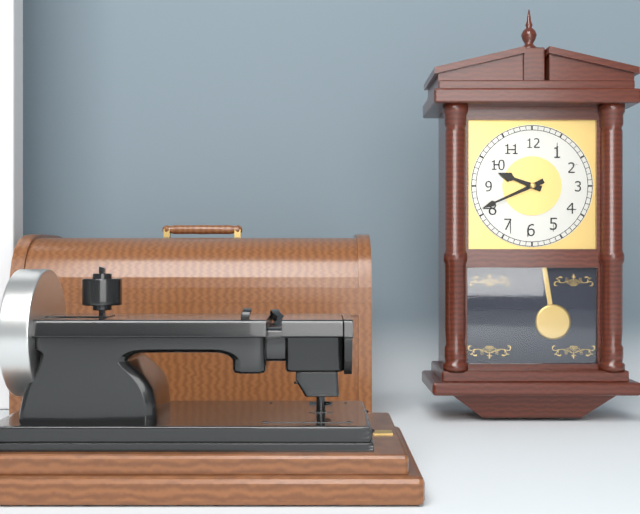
9:41
